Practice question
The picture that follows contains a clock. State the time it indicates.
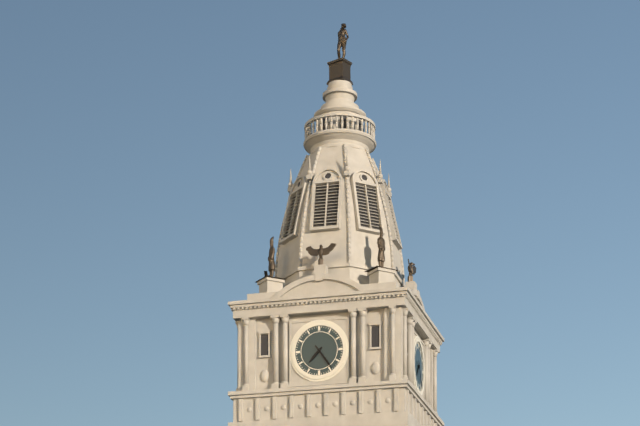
7:24
